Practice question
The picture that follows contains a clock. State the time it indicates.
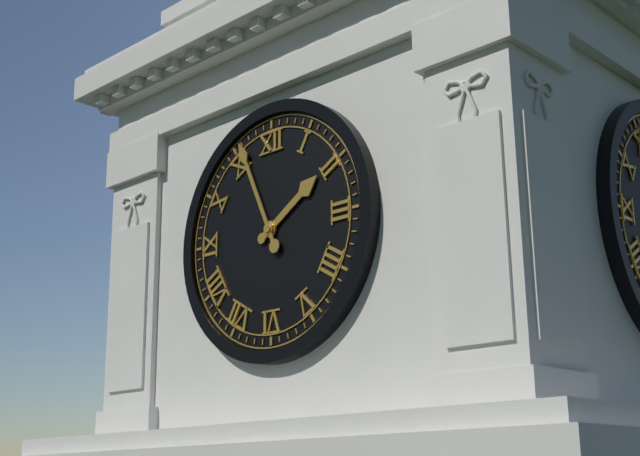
1:56
